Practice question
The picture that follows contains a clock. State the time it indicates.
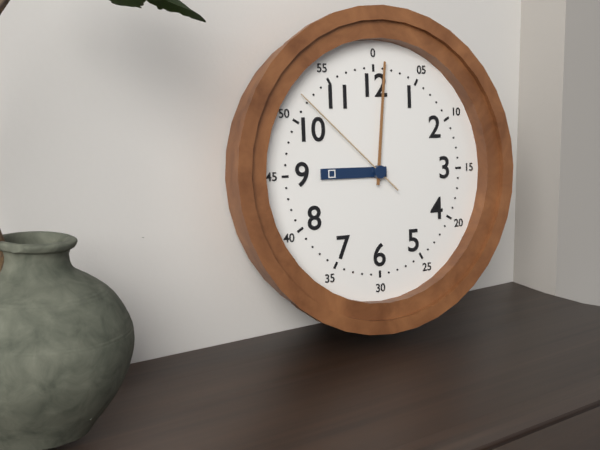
9:01:52
